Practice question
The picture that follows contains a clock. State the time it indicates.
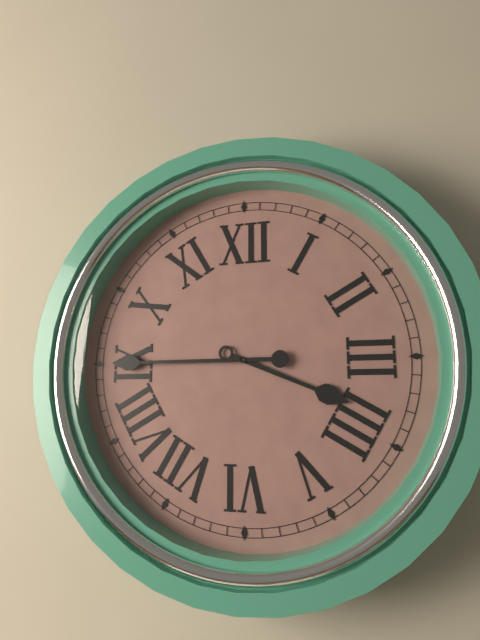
3:45
